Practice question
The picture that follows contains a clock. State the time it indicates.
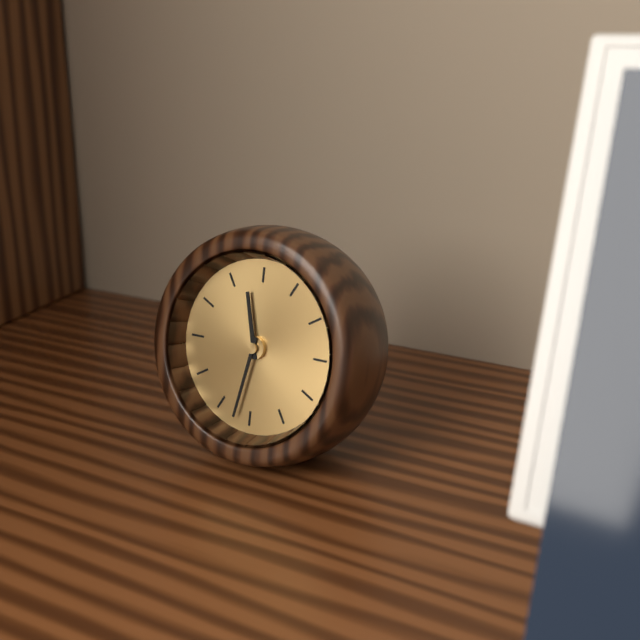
11:32
